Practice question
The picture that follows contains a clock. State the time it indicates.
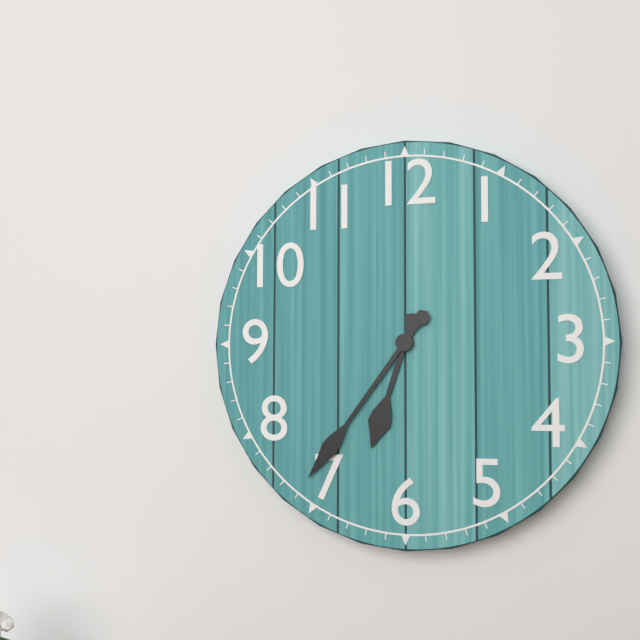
6:36
